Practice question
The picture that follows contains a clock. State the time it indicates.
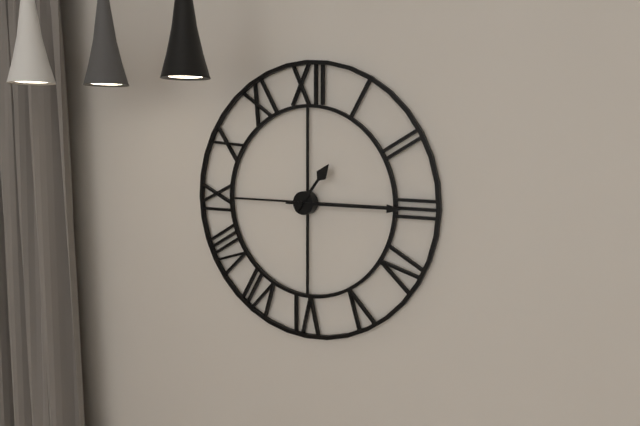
1:15
